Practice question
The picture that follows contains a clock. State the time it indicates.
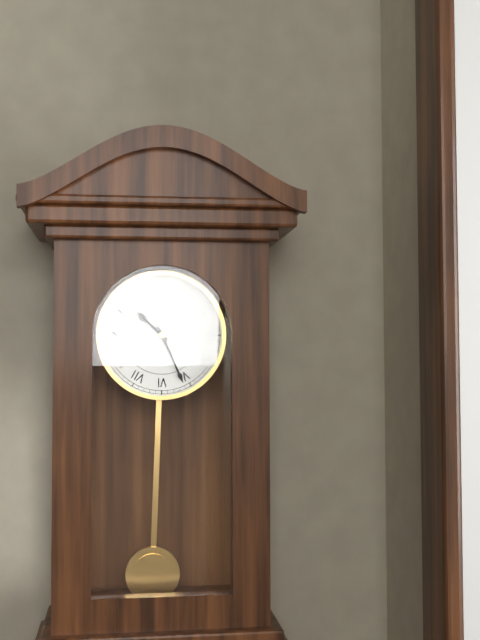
10:26
